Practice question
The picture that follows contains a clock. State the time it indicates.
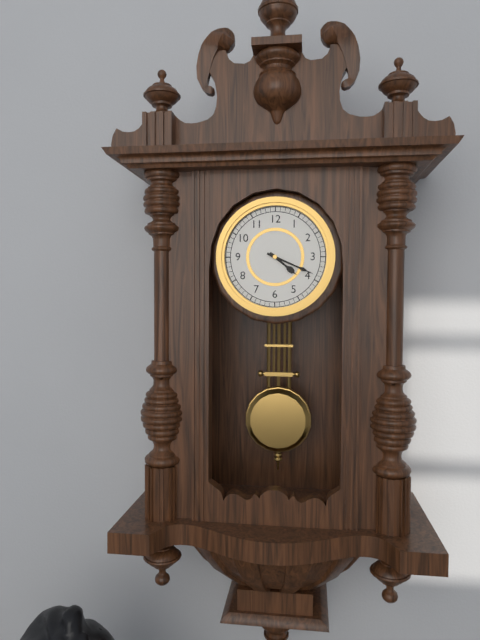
4:19
